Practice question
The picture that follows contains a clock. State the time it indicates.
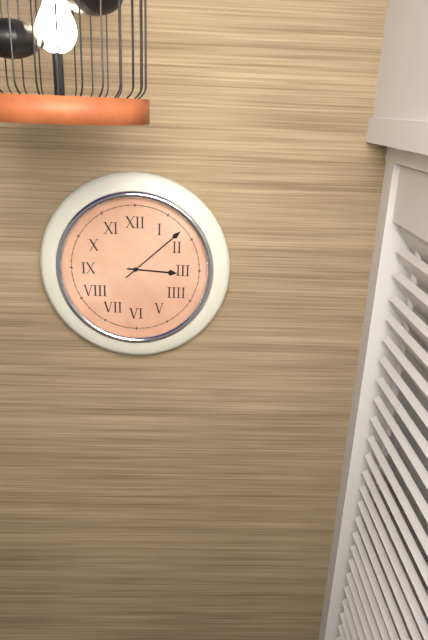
3:08
